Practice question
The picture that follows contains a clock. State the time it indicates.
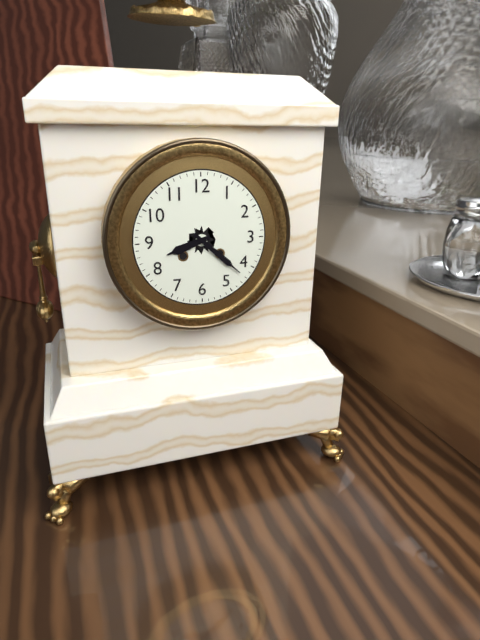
8:22
